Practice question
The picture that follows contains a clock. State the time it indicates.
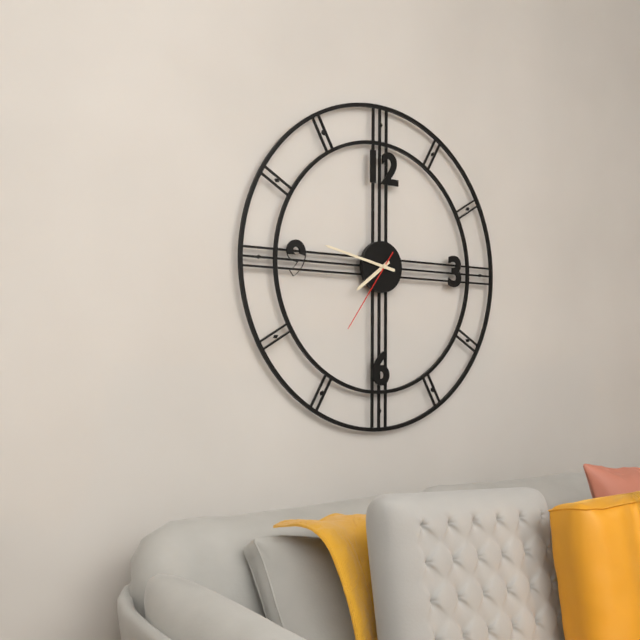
7:47:36
